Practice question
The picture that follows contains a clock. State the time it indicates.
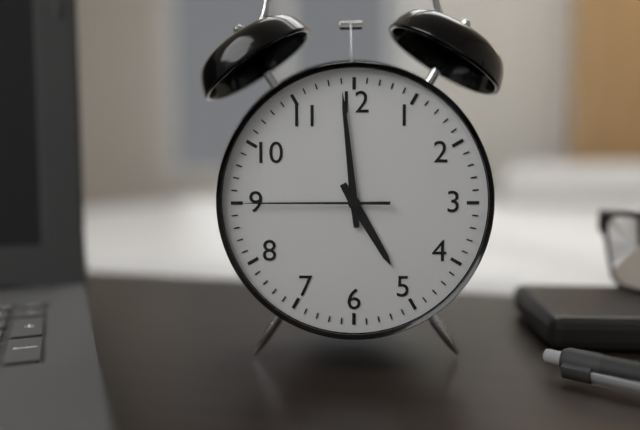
4:59:45
